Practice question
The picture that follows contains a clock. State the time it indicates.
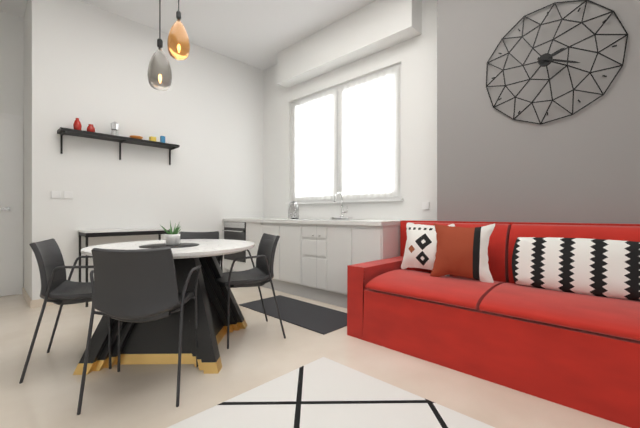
2:19
